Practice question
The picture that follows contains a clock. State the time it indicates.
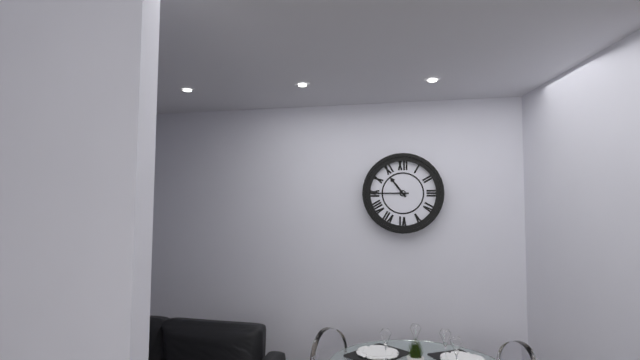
10:45
